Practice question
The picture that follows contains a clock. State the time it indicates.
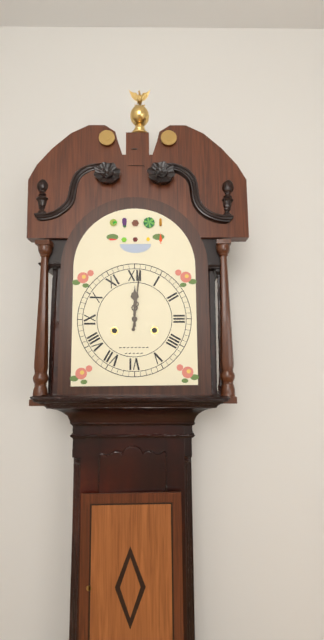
12:01
